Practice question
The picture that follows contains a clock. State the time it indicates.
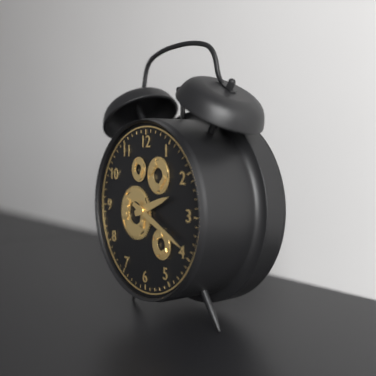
2:19
